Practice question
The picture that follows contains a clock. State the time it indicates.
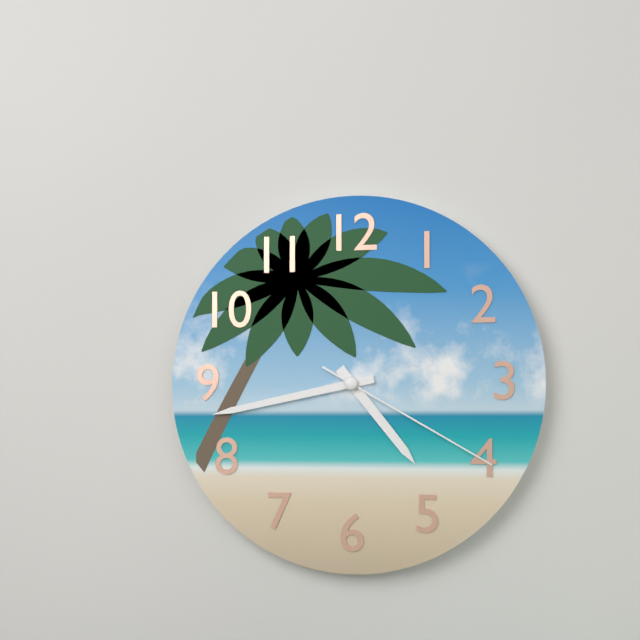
4:43:20
